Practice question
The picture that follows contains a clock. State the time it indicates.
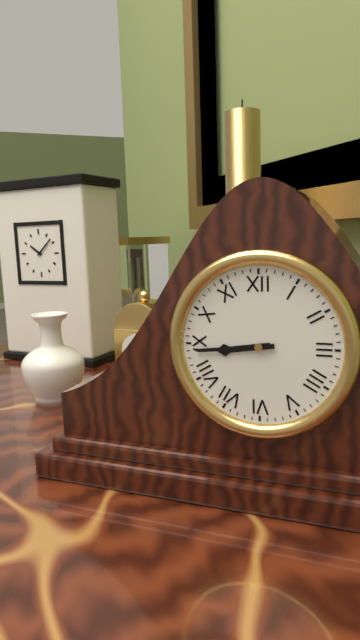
8:44
